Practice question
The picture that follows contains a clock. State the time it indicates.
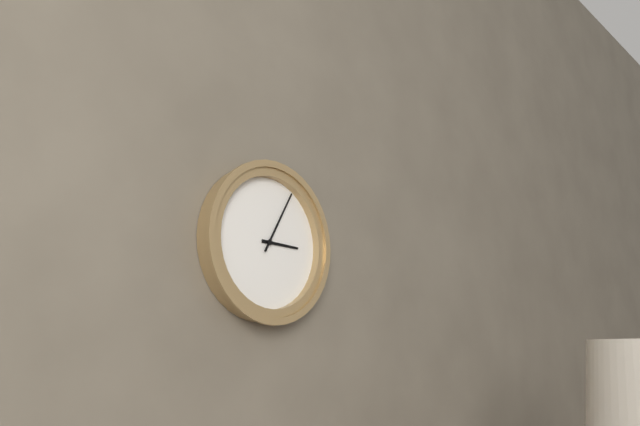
3:05
